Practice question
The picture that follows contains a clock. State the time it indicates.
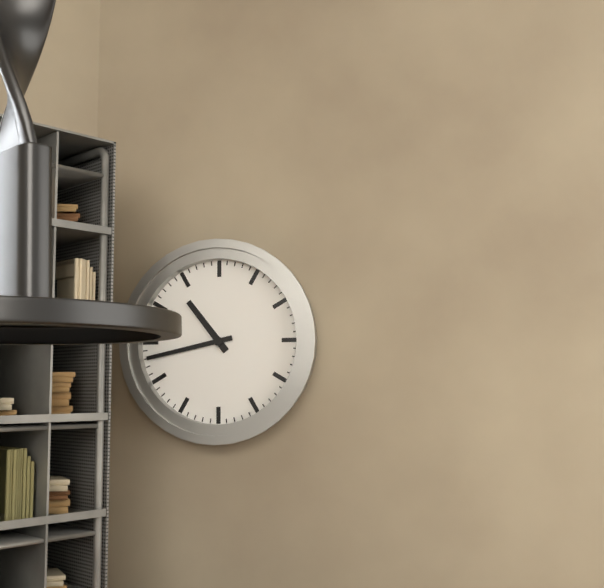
10:43
